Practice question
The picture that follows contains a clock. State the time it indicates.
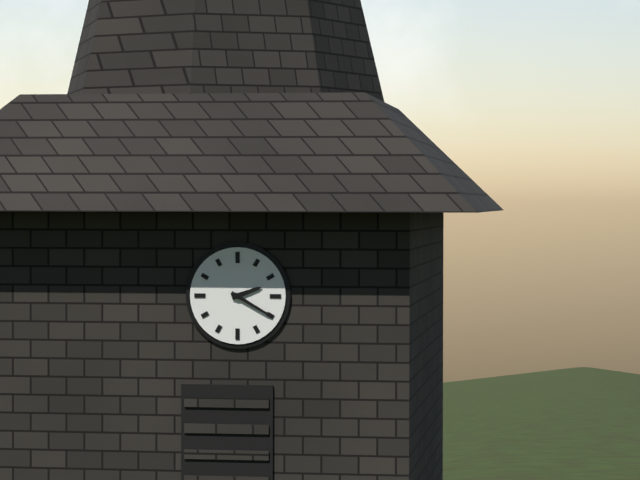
2:20
